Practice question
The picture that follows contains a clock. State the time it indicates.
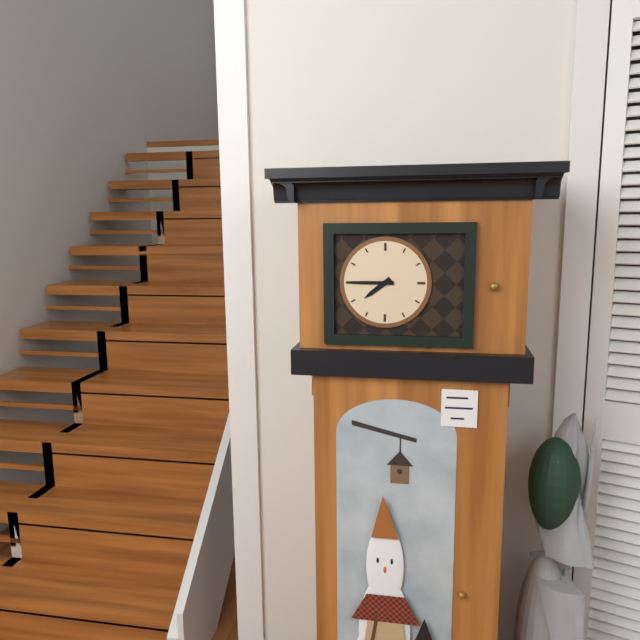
7:45
